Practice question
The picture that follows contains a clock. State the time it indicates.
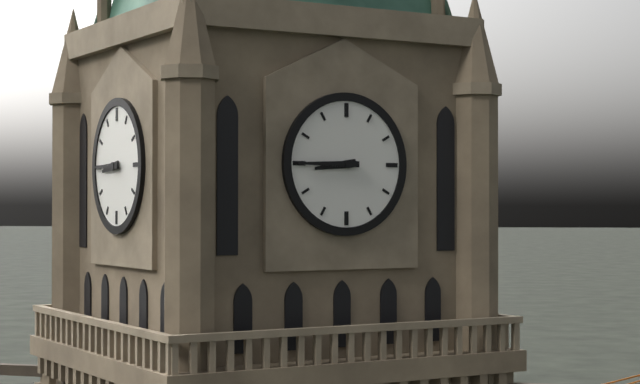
8:45
